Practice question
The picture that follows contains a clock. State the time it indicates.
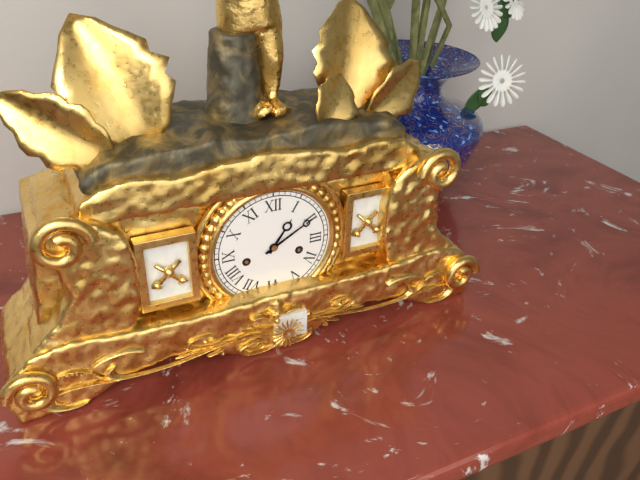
1:10
